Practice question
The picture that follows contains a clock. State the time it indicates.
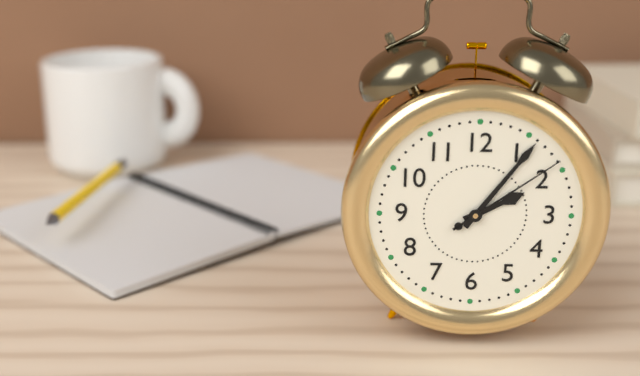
2:06:09
